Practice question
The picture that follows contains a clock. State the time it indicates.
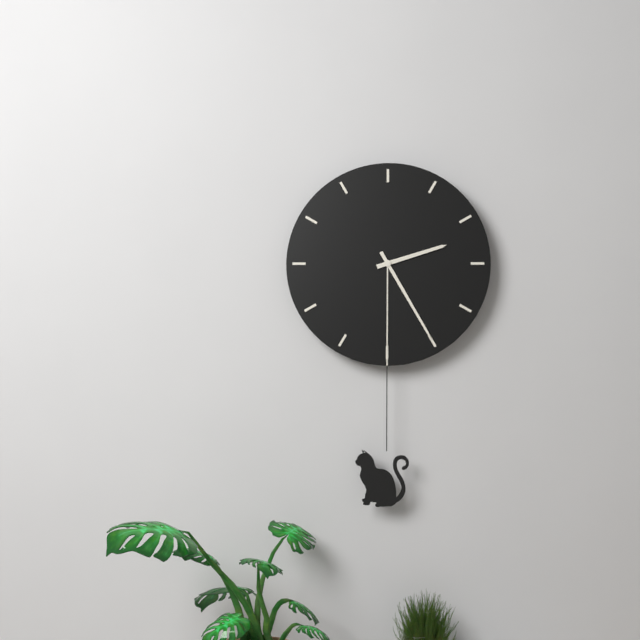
2:25
